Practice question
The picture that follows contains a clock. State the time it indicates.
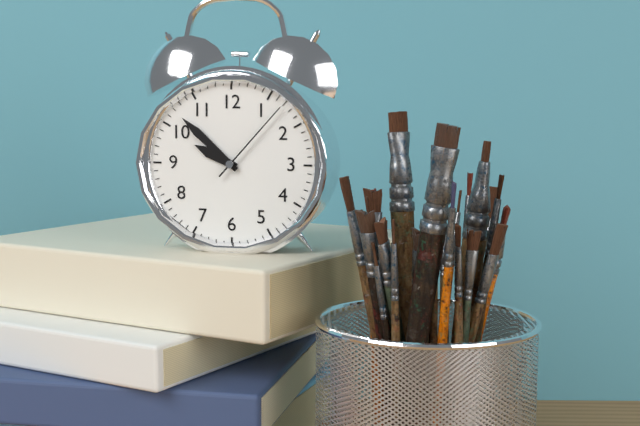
9:52:07
